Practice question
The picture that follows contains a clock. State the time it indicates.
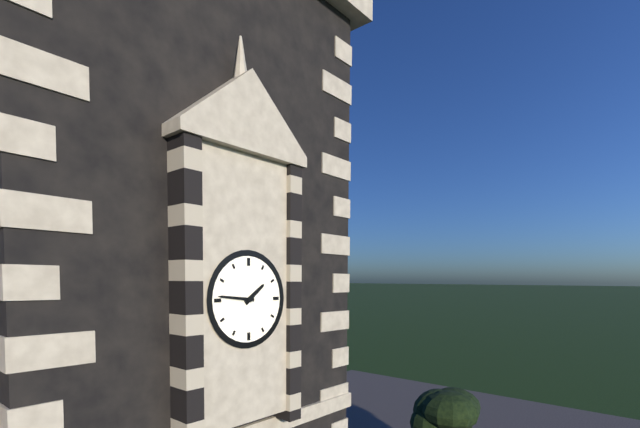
1:46
